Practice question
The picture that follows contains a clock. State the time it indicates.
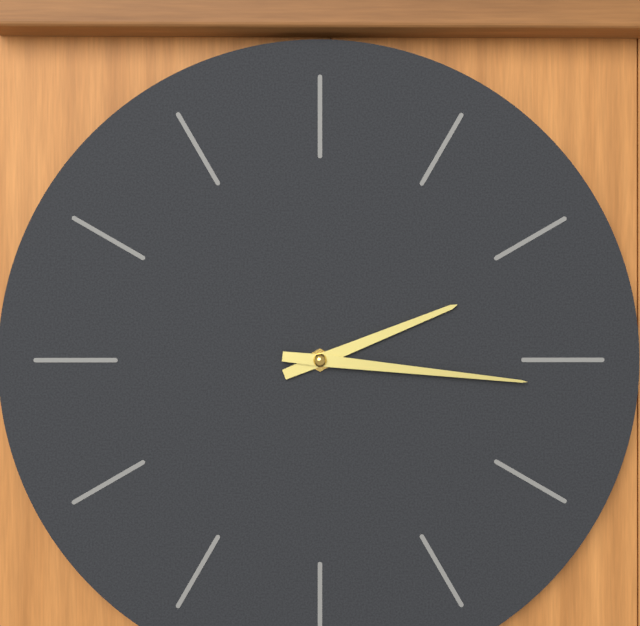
2:16
